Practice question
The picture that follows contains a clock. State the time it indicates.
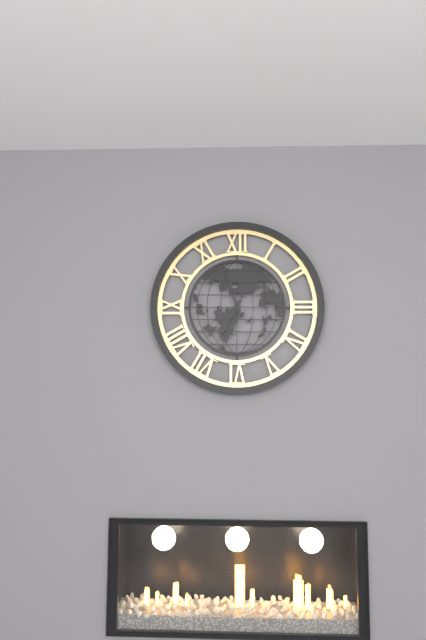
6:57
